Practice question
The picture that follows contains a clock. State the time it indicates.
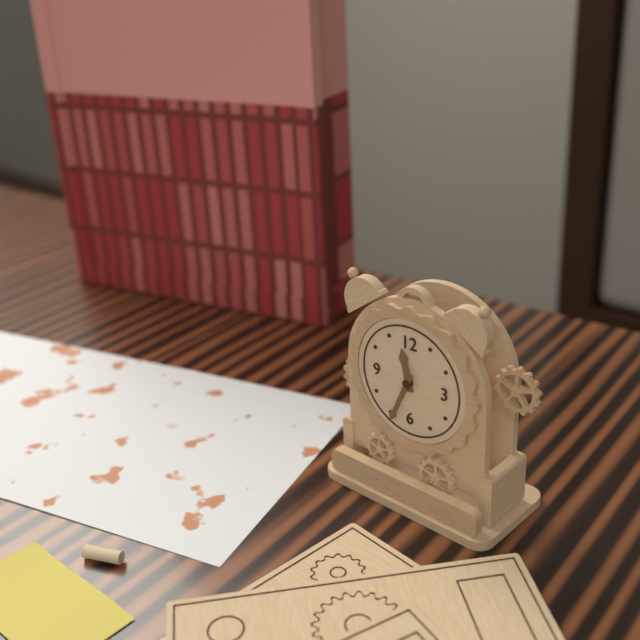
11:34
